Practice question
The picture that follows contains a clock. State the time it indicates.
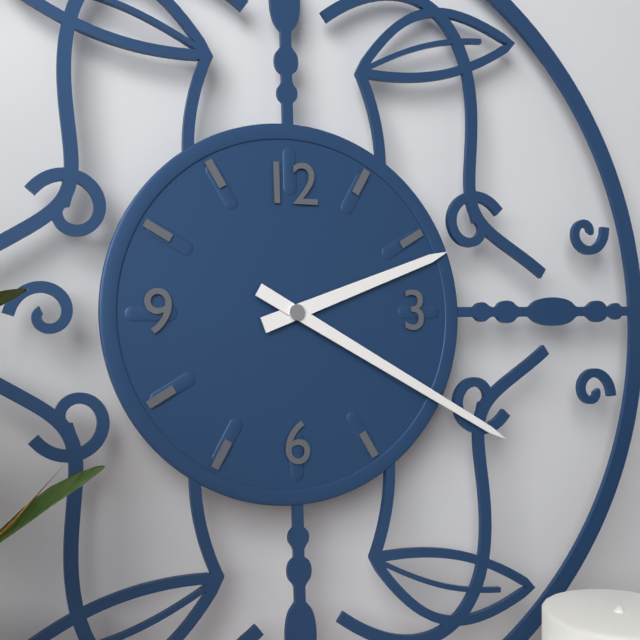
2:20
